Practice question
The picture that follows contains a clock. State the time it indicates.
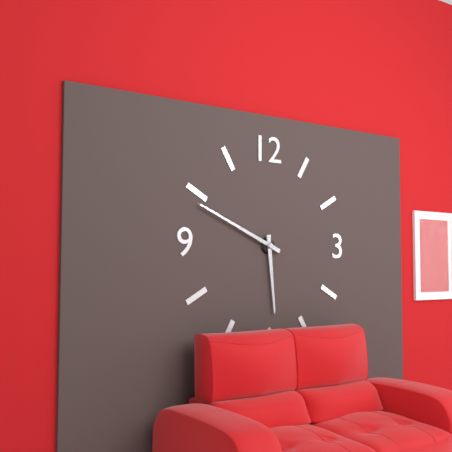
5:49
